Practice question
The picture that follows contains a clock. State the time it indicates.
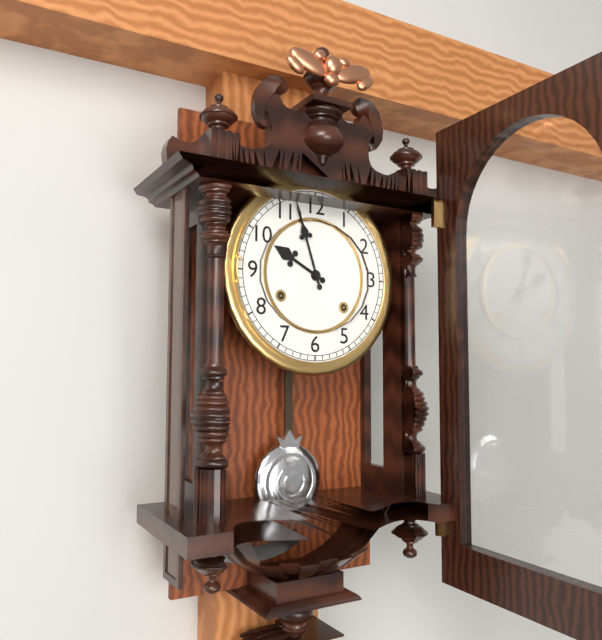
9:57
